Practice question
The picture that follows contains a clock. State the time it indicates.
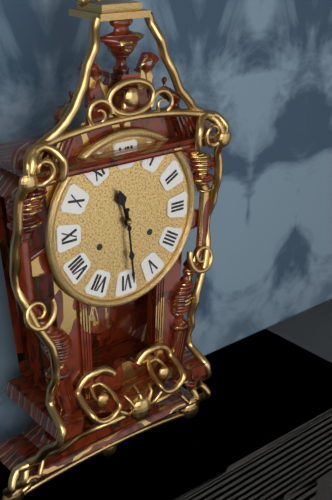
11:29
